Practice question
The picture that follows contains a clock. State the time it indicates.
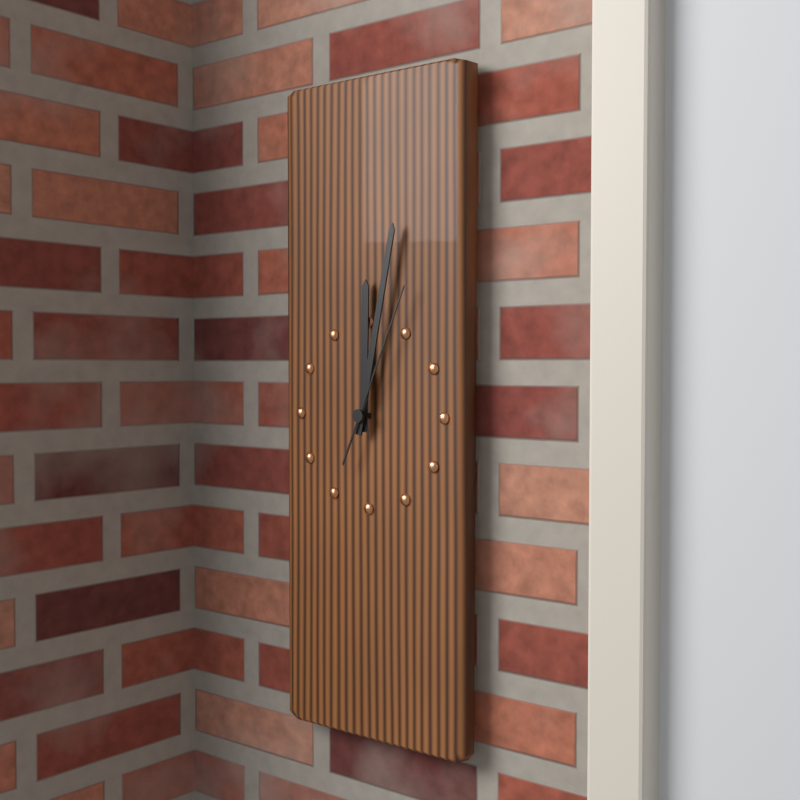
12:02:04
